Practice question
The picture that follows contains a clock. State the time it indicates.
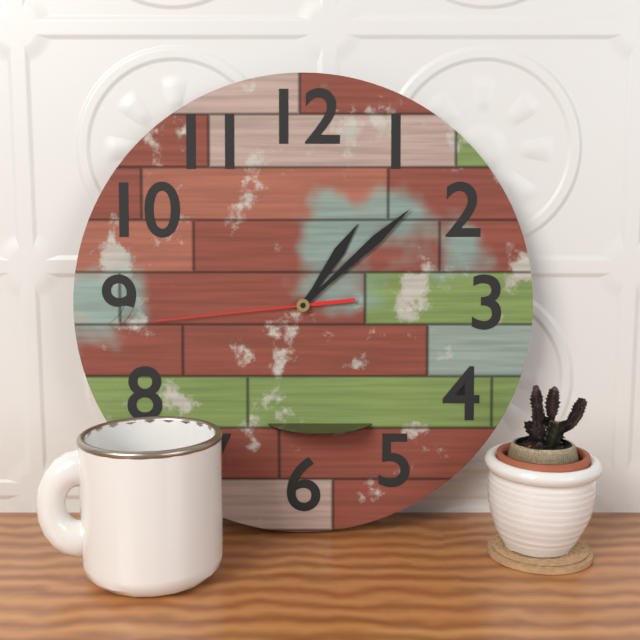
1:08:44
